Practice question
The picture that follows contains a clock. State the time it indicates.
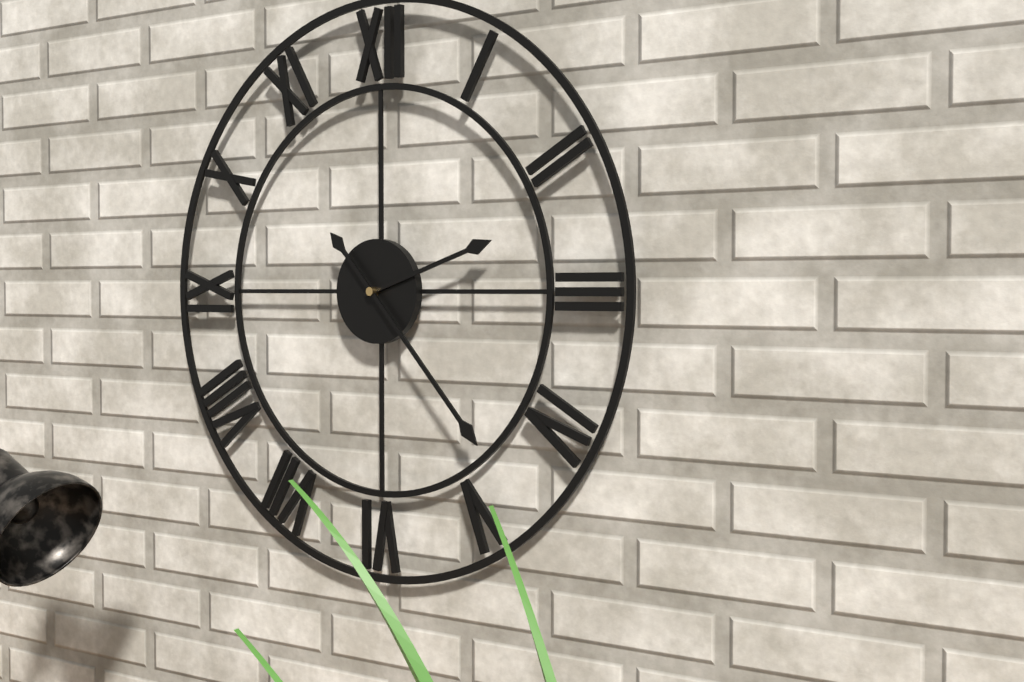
2:23
